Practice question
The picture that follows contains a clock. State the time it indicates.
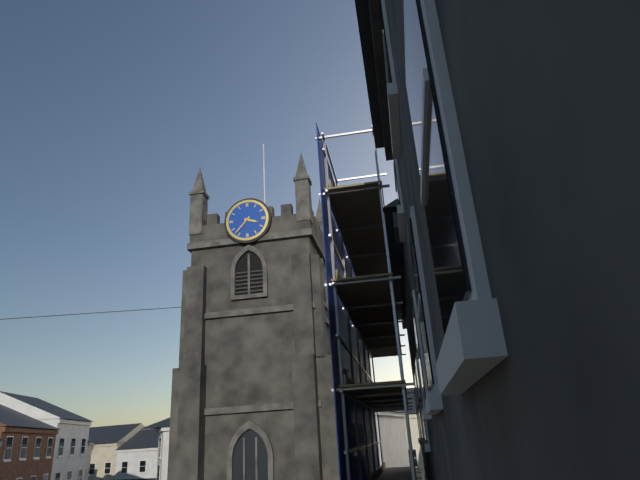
3:37
